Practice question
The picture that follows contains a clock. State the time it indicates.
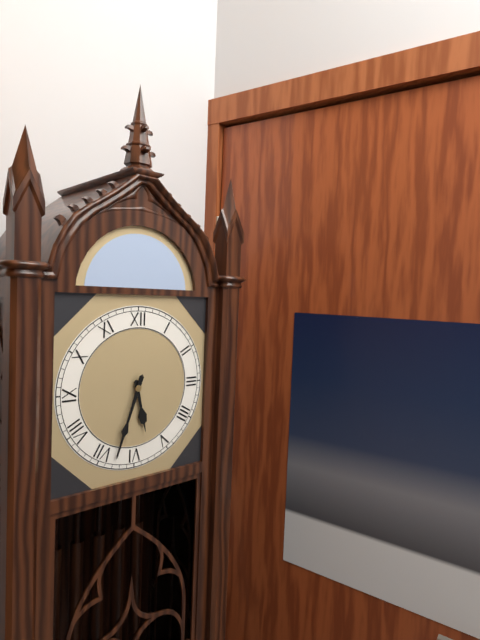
5:33
